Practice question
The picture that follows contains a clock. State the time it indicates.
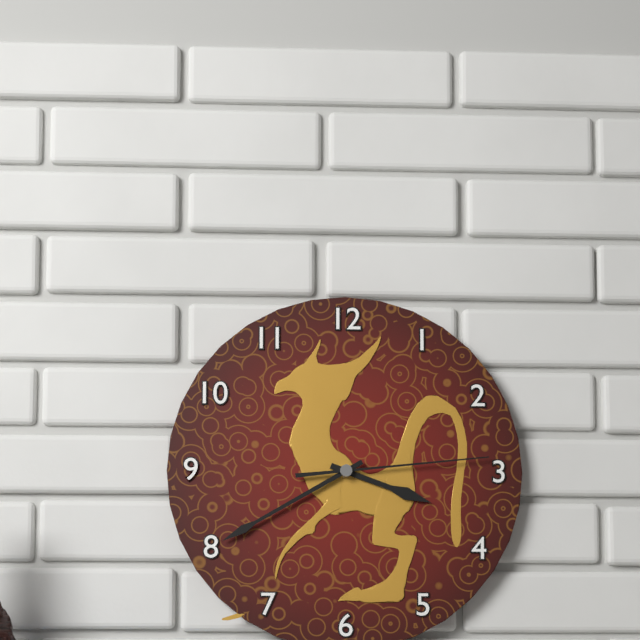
3:40:14
